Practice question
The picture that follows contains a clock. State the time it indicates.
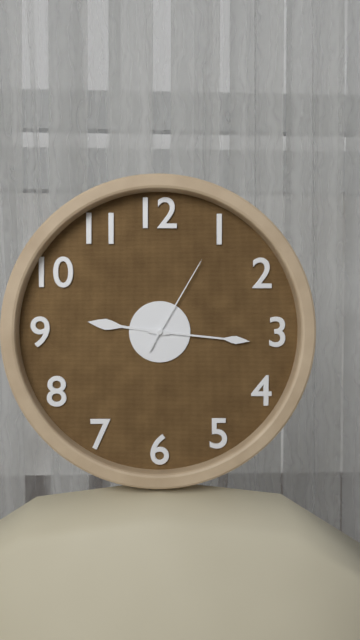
9:16:05
